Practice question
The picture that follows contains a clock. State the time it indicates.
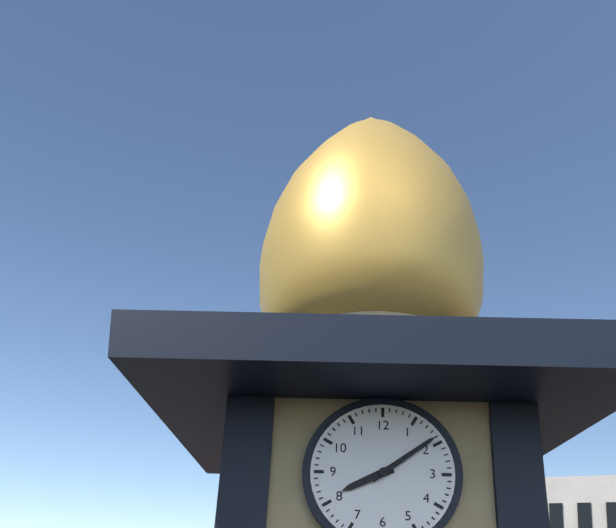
8:09
